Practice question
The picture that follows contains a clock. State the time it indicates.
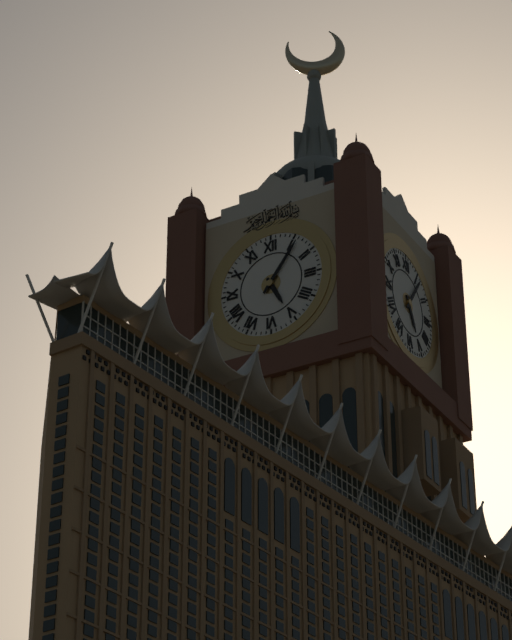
5:06
